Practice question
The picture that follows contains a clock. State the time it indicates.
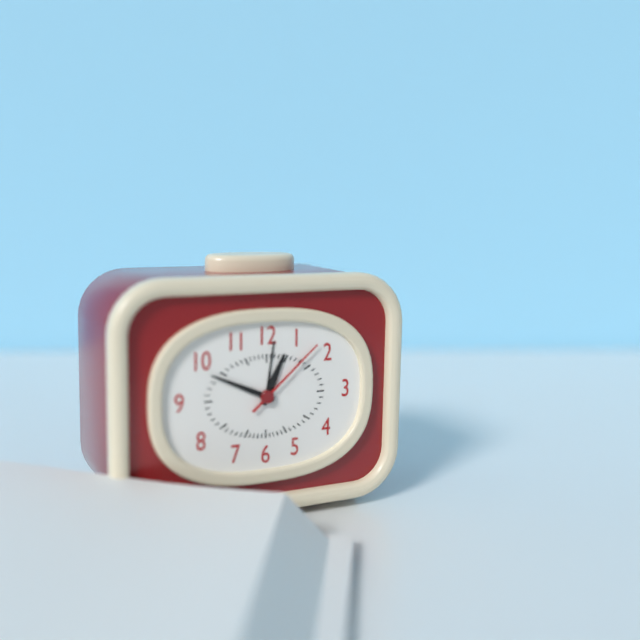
12:49:08
